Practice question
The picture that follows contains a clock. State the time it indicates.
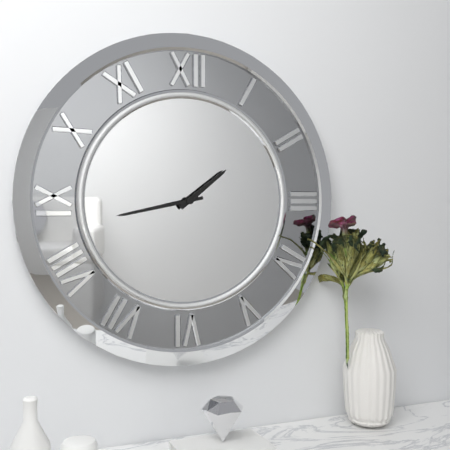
1:43
